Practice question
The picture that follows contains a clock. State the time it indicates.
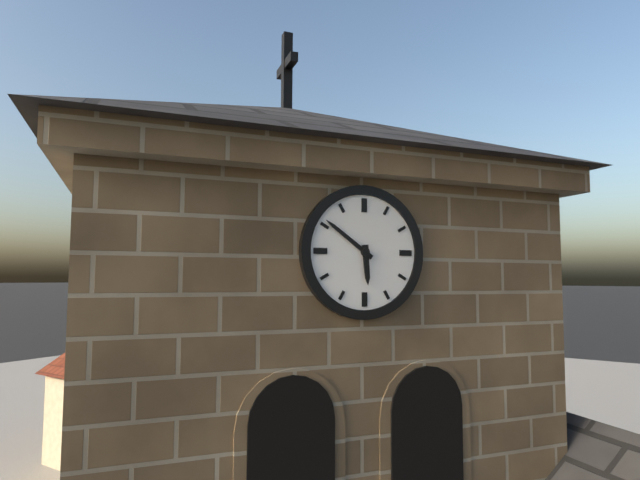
5:51
